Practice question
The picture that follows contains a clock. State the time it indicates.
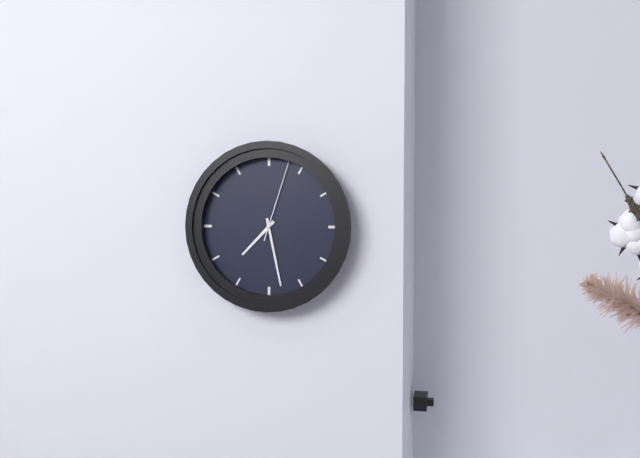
7:28:03
